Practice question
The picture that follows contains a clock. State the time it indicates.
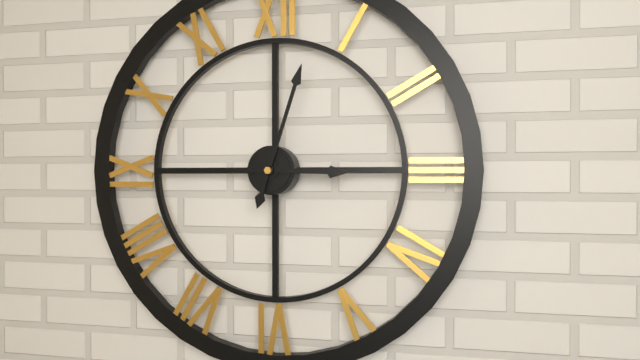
3:03
